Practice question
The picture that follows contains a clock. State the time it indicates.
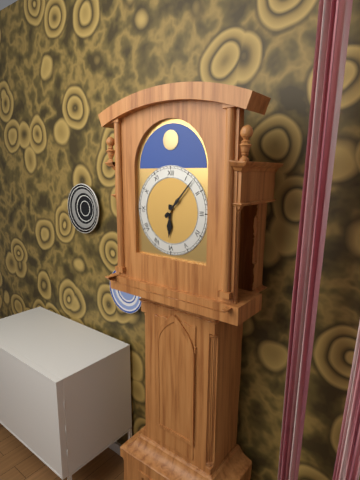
6:07
